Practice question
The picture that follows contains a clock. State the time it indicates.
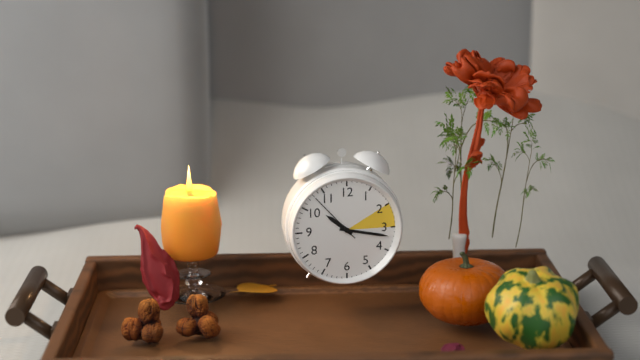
10:17:53
